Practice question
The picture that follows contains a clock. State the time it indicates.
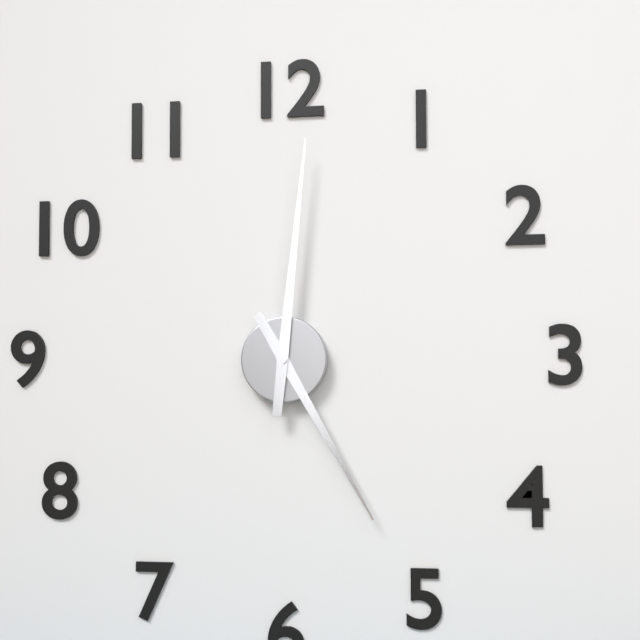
5:01
